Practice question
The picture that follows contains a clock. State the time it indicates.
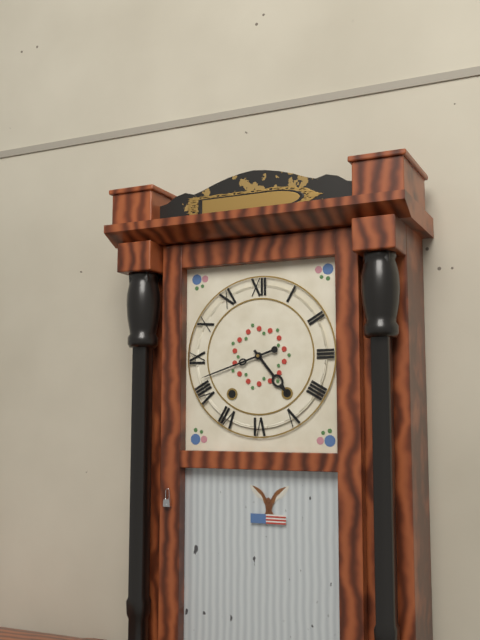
4:42
